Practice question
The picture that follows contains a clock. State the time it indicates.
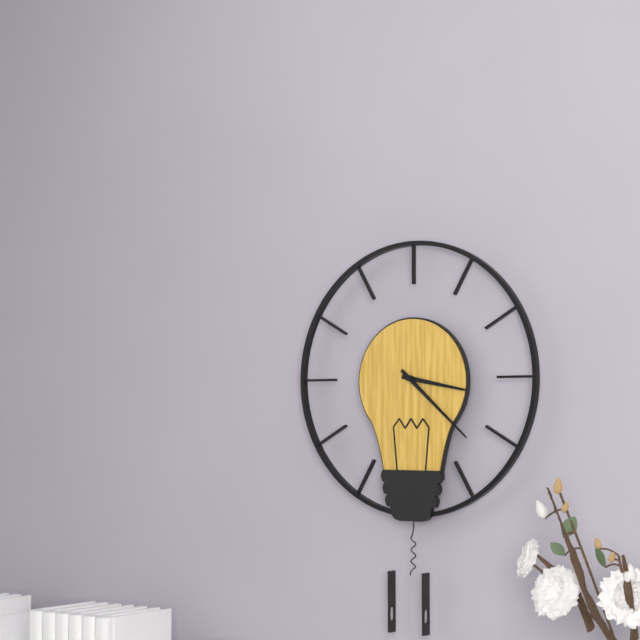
3:22
